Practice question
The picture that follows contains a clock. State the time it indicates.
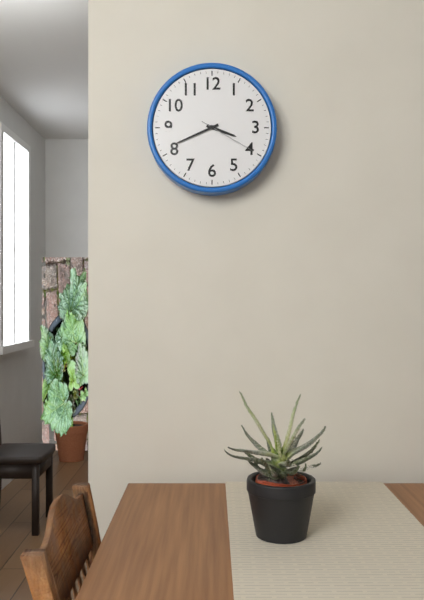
3:41:20
